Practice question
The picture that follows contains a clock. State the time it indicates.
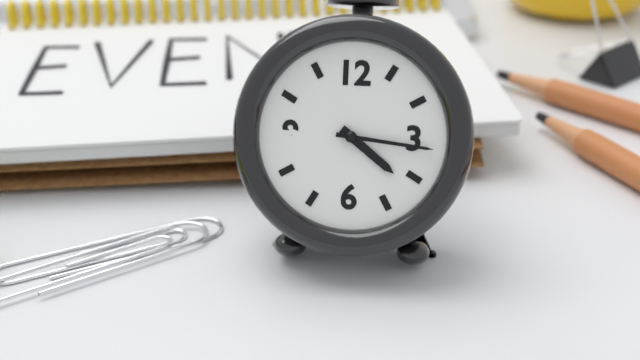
4:16
